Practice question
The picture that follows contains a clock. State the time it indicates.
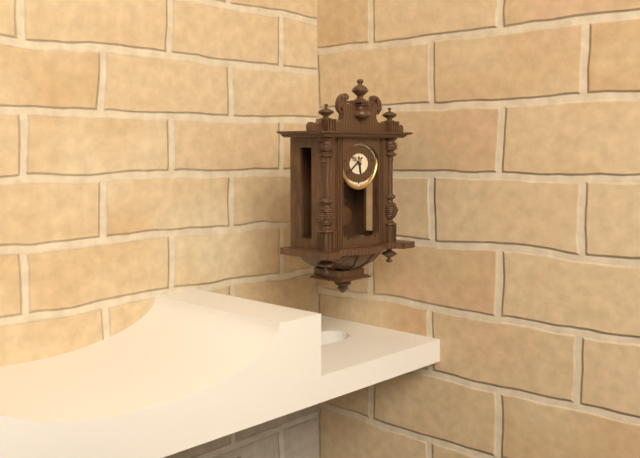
5:39
